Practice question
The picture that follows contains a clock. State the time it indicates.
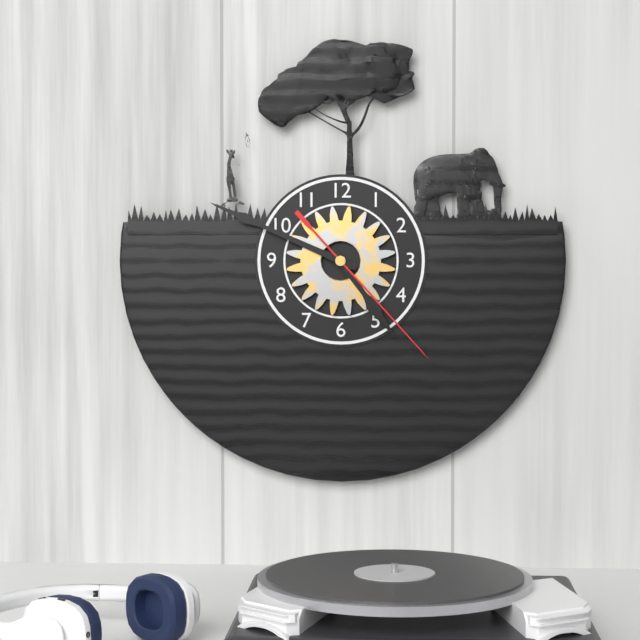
4:49:23
